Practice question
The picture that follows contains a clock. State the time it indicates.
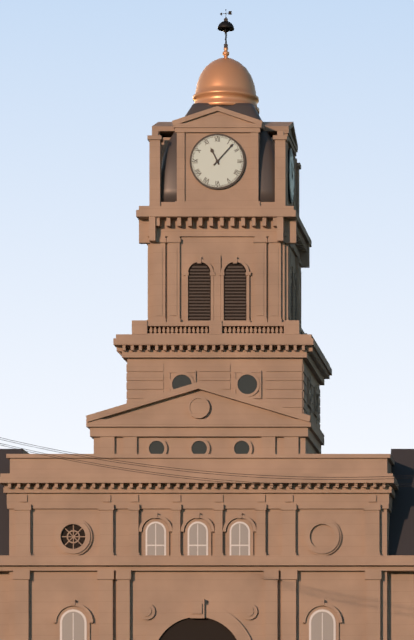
11:07
